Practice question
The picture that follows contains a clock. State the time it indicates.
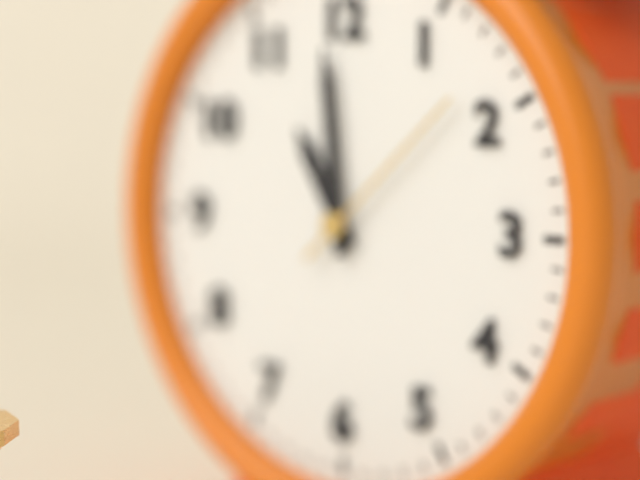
10:59:08
